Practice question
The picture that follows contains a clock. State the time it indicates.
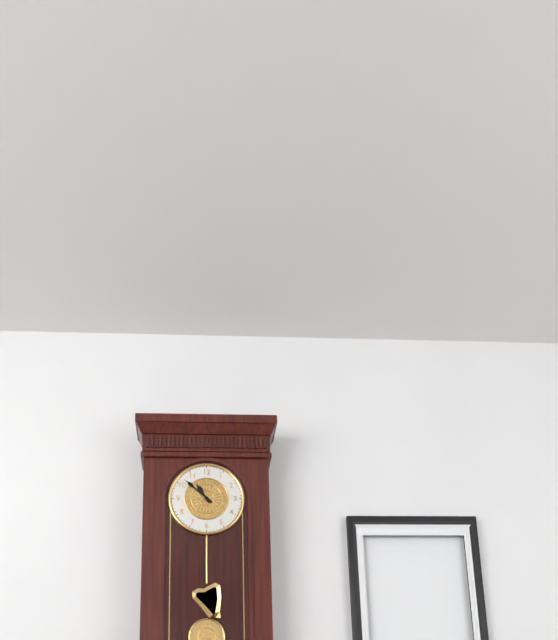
10:52
